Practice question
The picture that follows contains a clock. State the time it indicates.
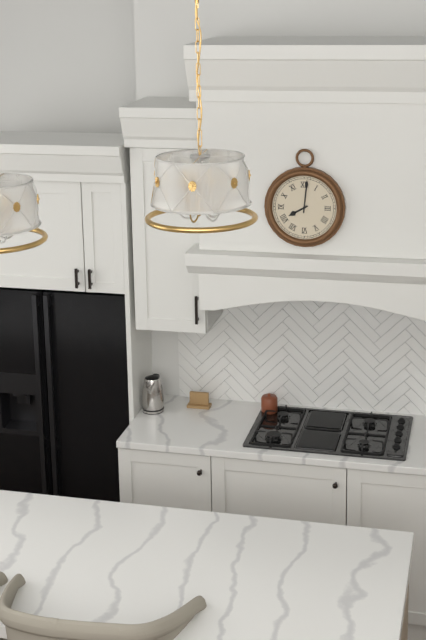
8:01
